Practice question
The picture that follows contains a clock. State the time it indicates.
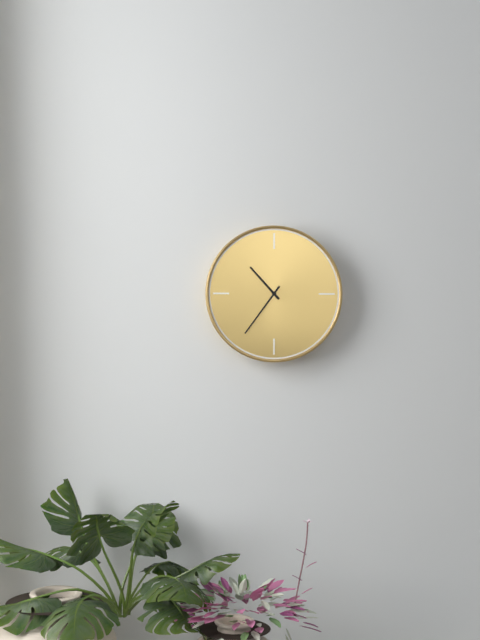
10:36
